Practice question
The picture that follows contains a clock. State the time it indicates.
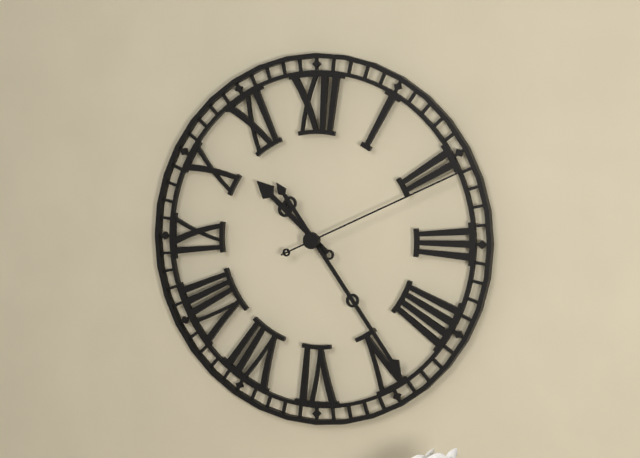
10:24:11
